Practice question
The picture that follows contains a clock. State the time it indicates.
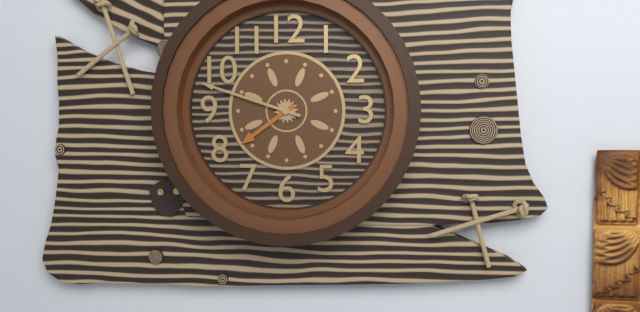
7:48
